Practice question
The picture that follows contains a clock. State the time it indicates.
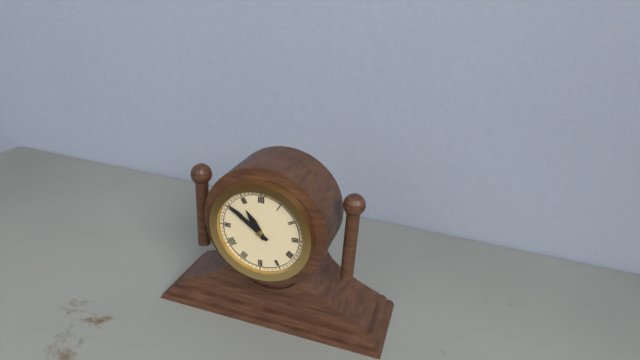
10:51
